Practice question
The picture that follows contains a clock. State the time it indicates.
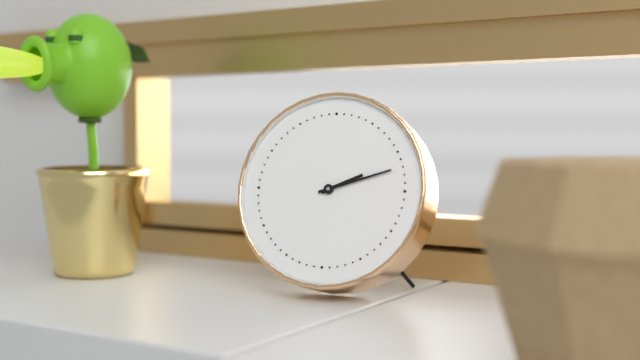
2:12
